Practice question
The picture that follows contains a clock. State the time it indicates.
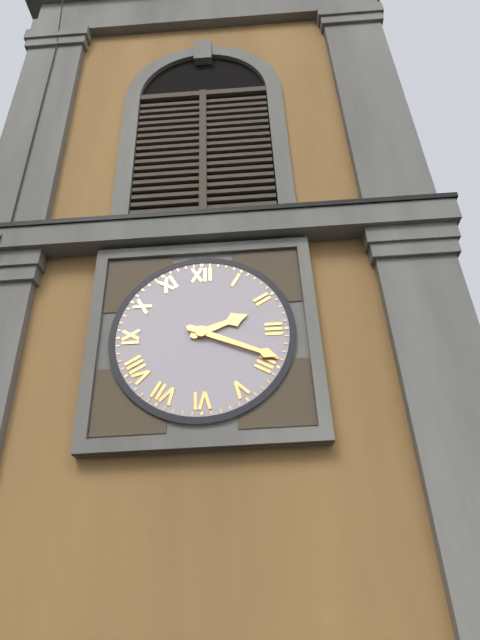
2:19
